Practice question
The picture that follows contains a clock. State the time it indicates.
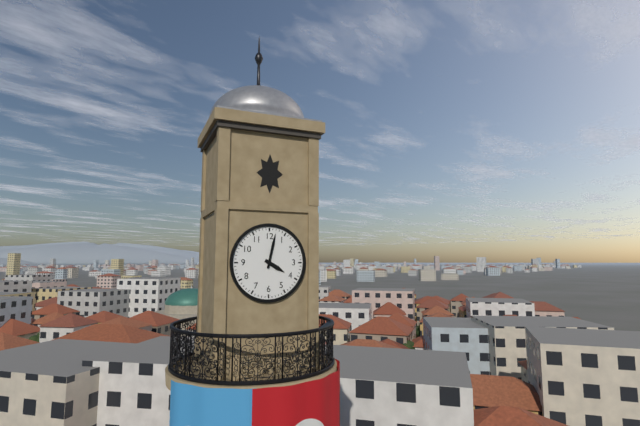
4:02
